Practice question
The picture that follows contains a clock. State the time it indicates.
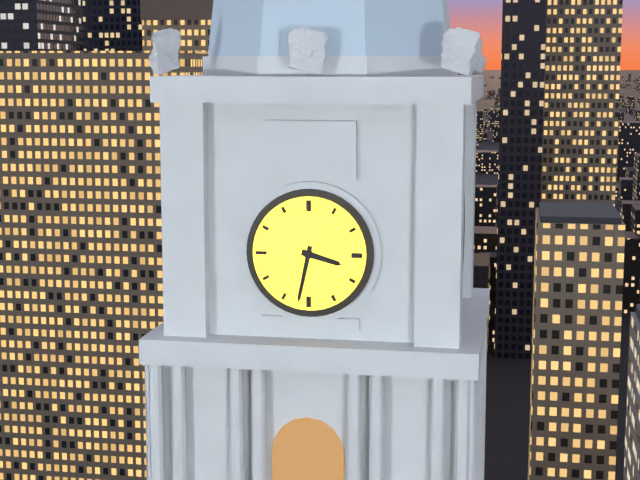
3:32
